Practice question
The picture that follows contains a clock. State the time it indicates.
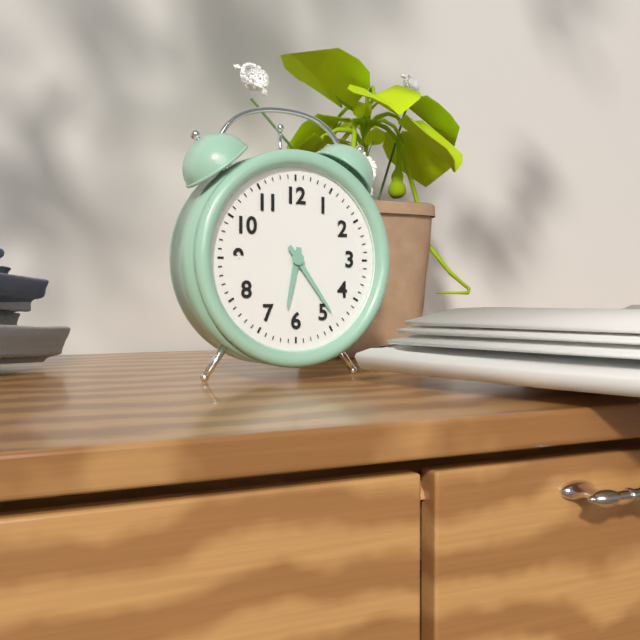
6:24
